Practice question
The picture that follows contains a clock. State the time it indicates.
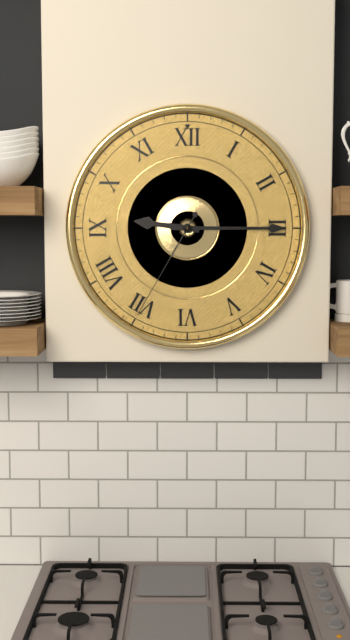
9:15:35
